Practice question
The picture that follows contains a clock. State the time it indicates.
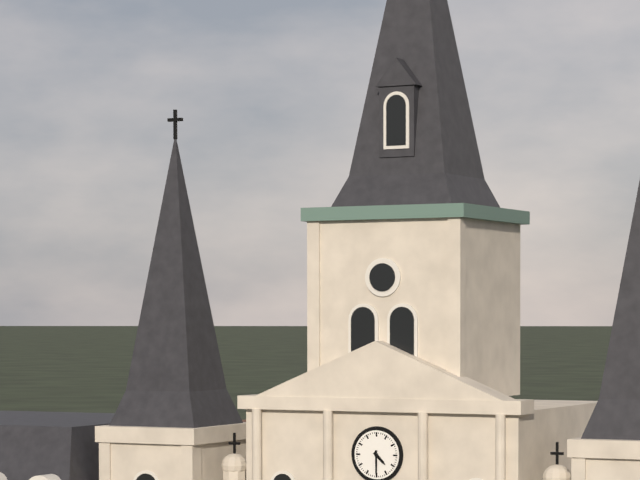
4:30
